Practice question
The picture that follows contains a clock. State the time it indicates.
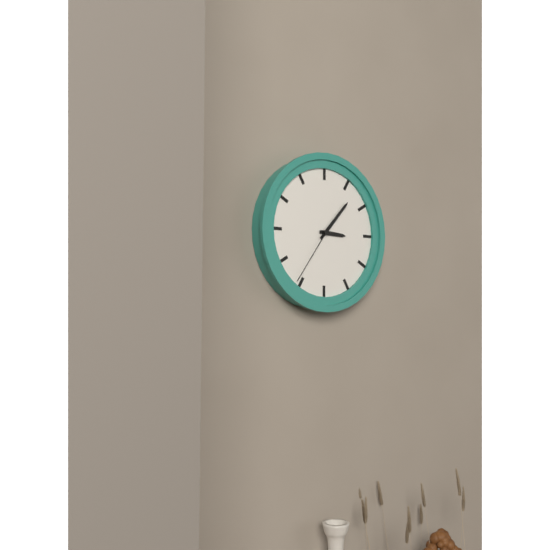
3:07:36
